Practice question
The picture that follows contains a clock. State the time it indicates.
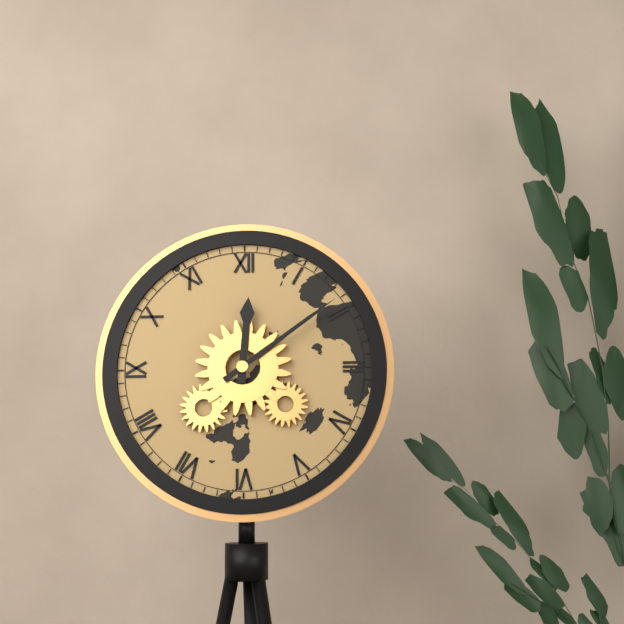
12:09
